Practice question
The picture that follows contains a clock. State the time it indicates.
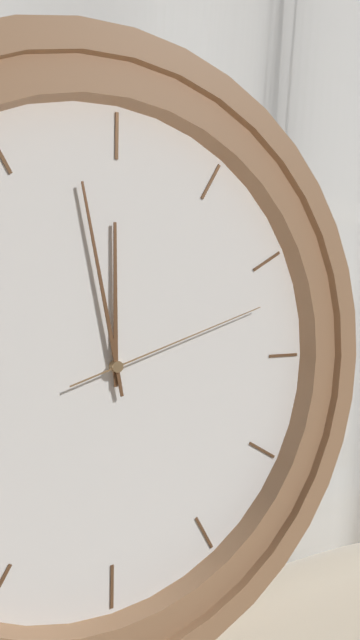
11:58:12
